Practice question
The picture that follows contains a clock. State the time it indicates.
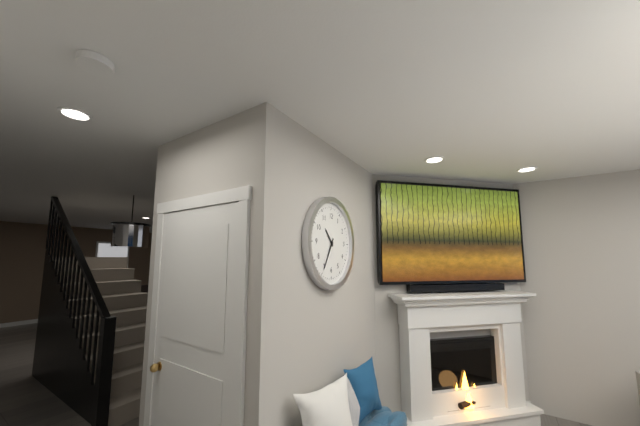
10:35
